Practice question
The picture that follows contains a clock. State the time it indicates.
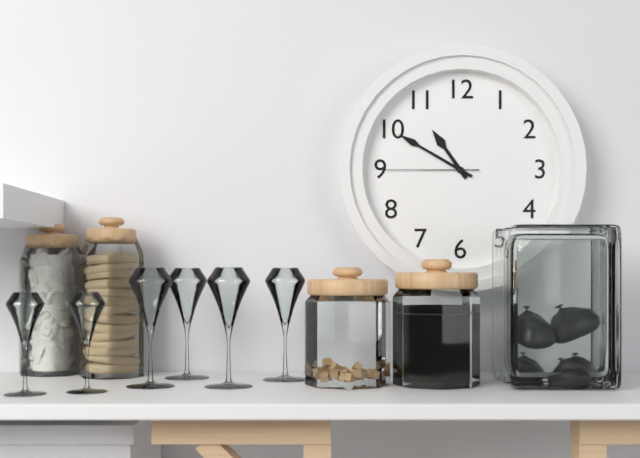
10:50:45
